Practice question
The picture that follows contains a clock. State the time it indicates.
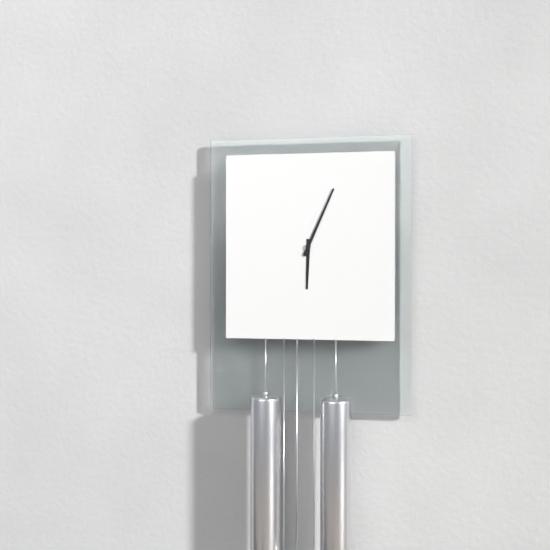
6:04
